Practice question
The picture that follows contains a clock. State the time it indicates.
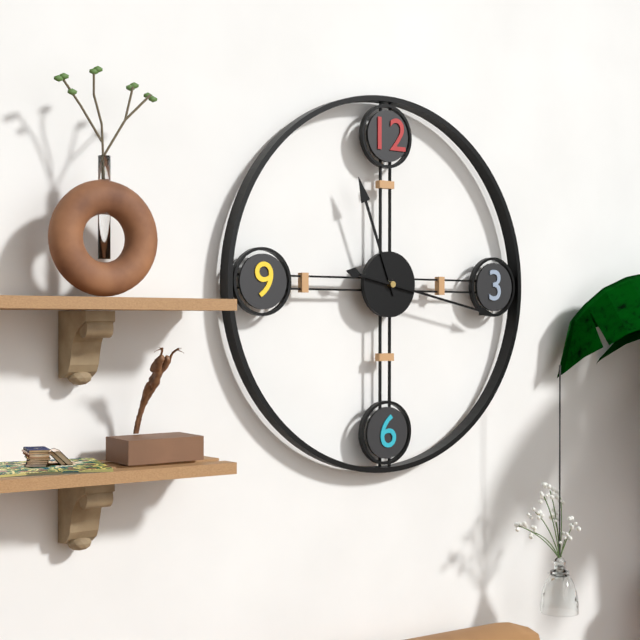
11:17
